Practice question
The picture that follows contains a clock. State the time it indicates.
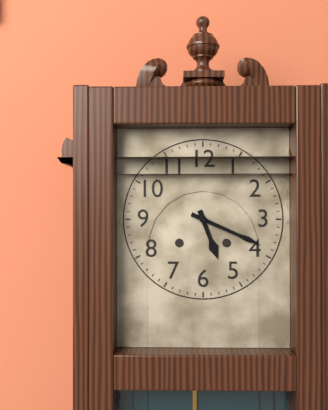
5:19
